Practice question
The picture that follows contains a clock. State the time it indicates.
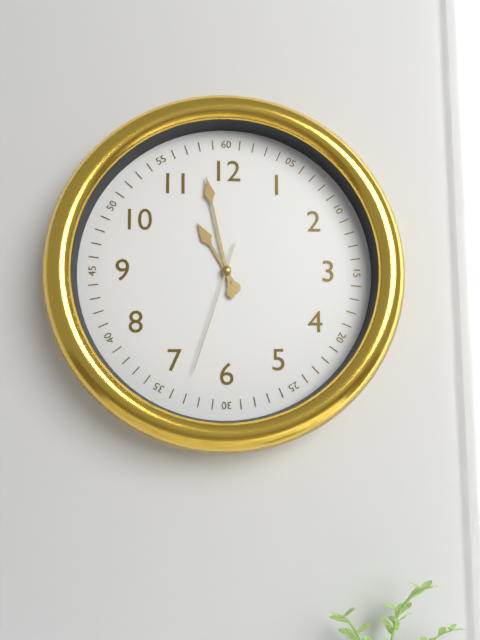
10:58:33
